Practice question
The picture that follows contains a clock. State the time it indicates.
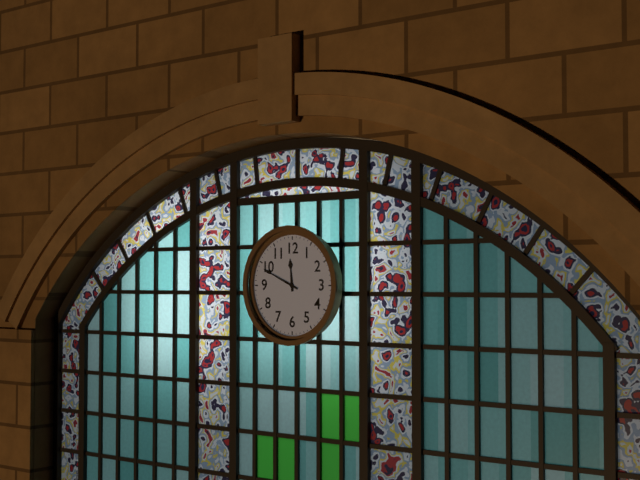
11:49
